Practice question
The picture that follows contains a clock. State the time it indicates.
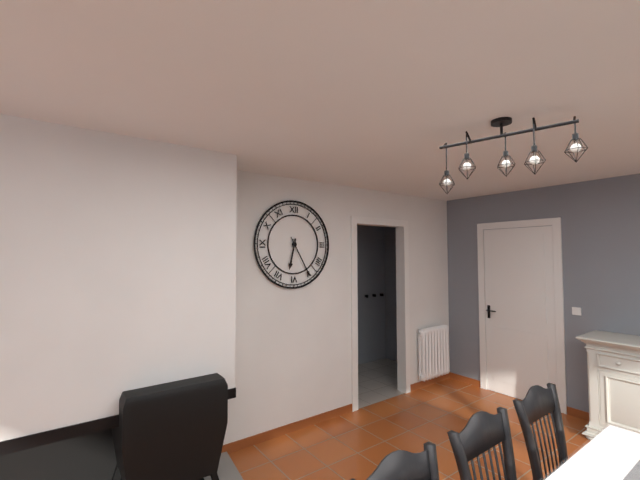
6:25
